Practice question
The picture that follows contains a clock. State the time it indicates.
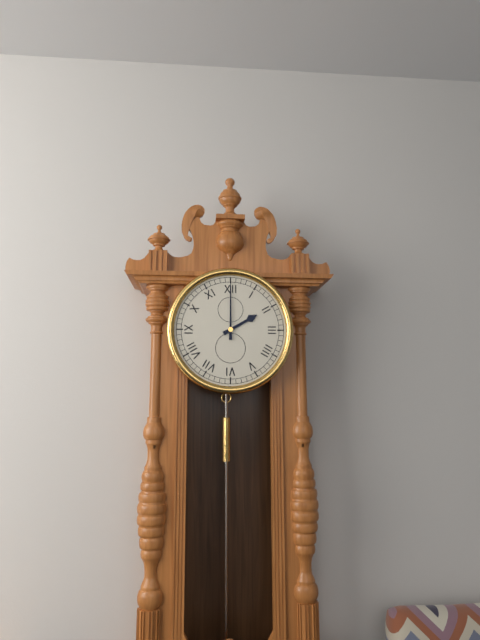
2:00
